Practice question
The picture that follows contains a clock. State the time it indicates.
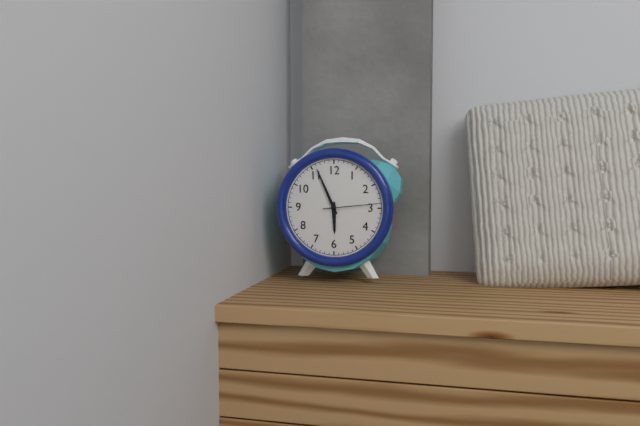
5:56:14
